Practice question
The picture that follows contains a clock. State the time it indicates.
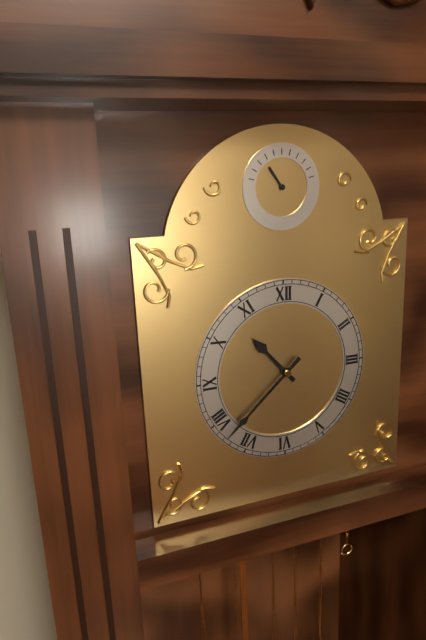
10:38
